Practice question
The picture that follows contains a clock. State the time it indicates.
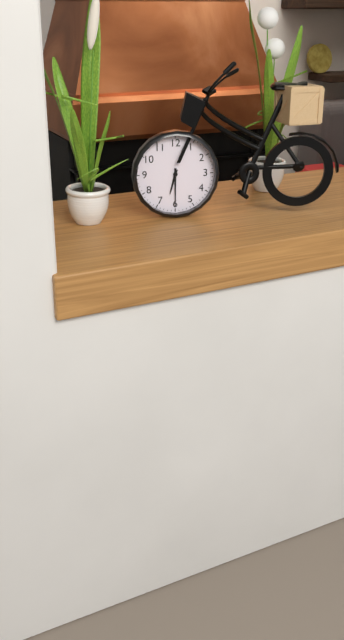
6:30
